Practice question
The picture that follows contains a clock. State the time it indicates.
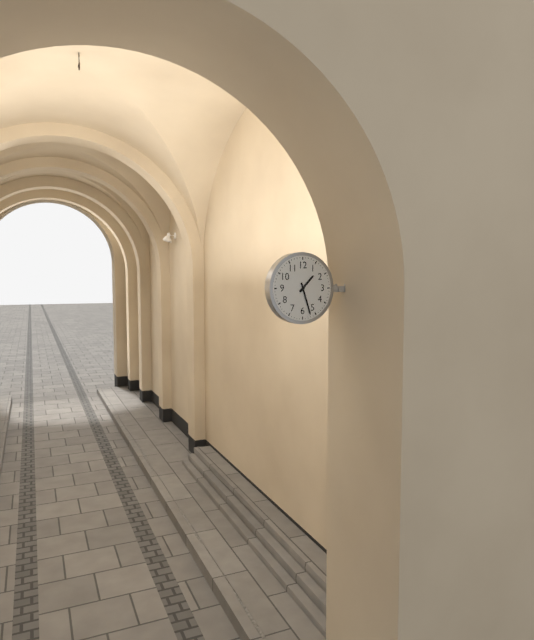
1:27
